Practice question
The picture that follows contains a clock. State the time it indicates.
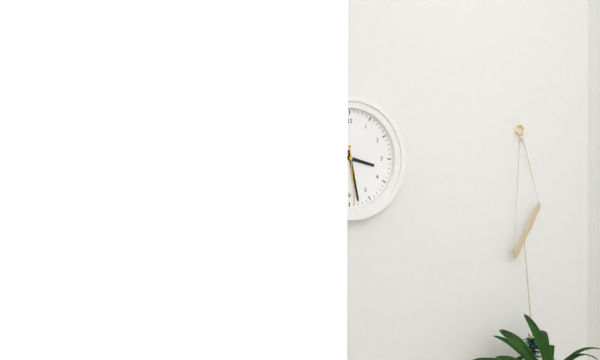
3:28:29
